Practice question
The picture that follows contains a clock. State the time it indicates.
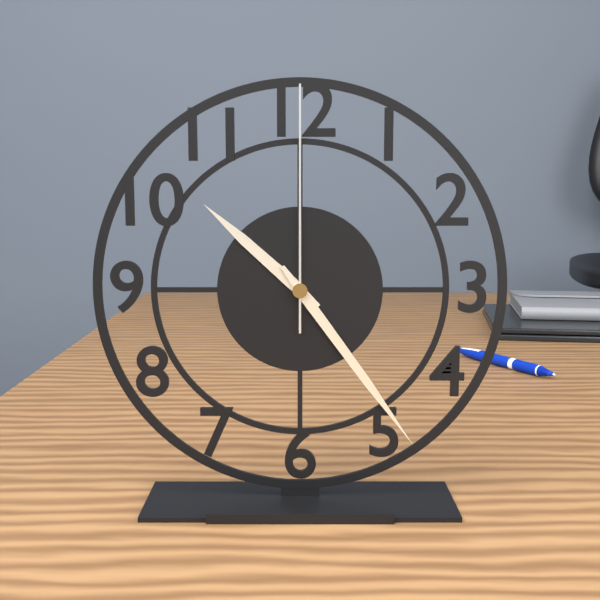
10:24:00
